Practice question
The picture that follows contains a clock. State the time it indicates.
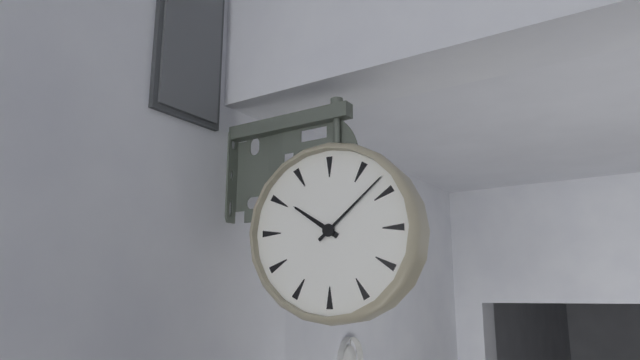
10:08
